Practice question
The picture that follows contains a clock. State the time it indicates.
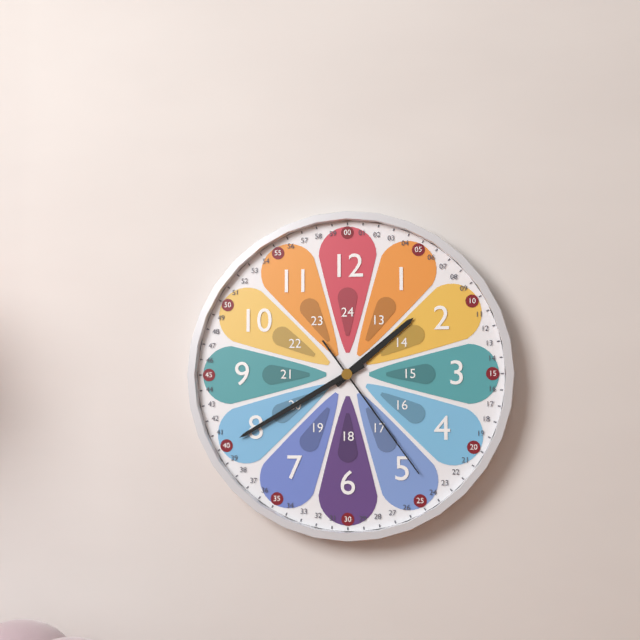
1:40:24
